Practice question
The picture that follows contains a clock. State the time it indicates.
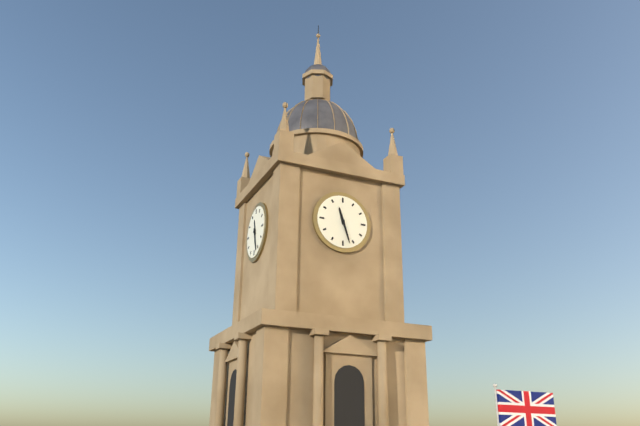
11:27
